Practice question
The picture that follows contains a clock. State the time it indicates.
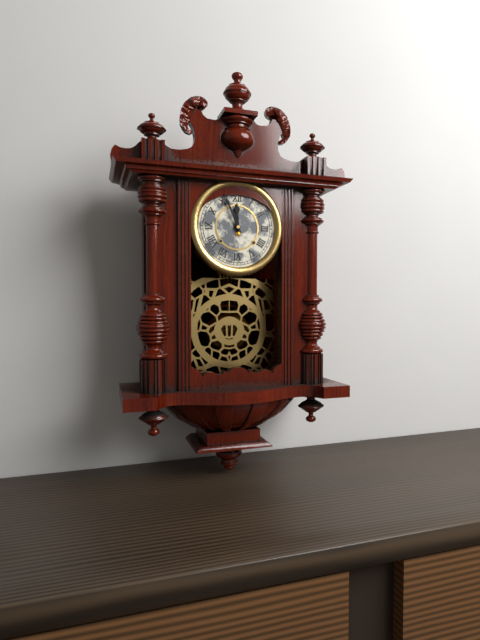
11:56
